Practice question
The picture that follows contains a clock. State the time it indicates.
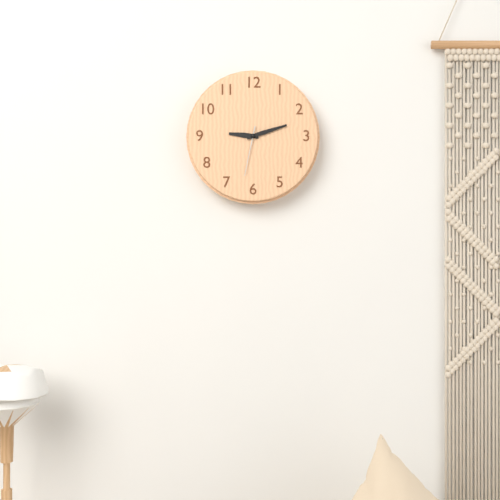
9:12:32
